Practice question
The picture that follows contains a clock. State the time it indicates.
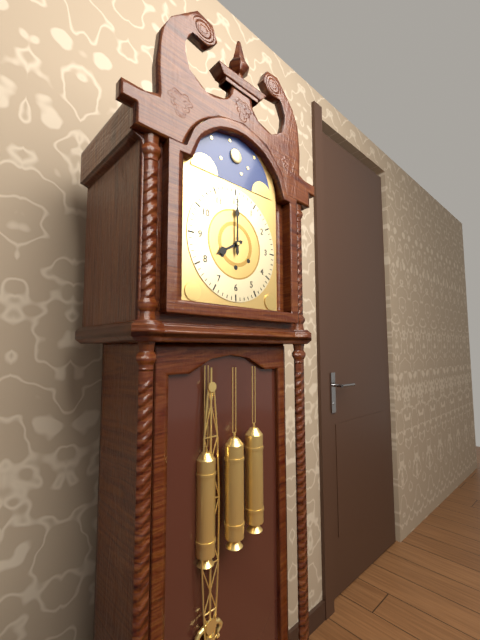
8:00
